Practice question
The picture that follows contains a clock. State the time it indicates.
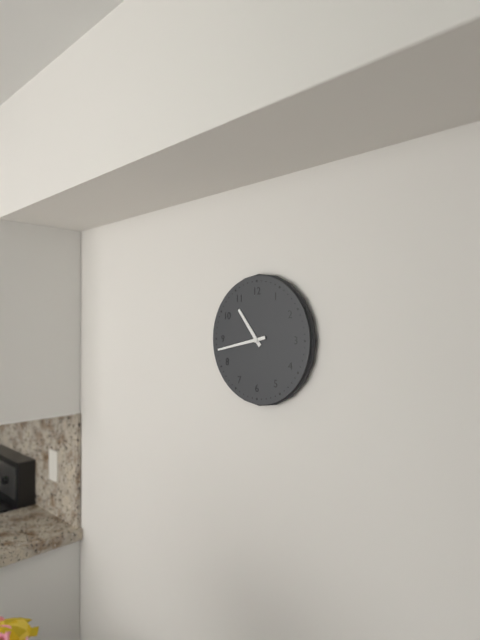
10:43
